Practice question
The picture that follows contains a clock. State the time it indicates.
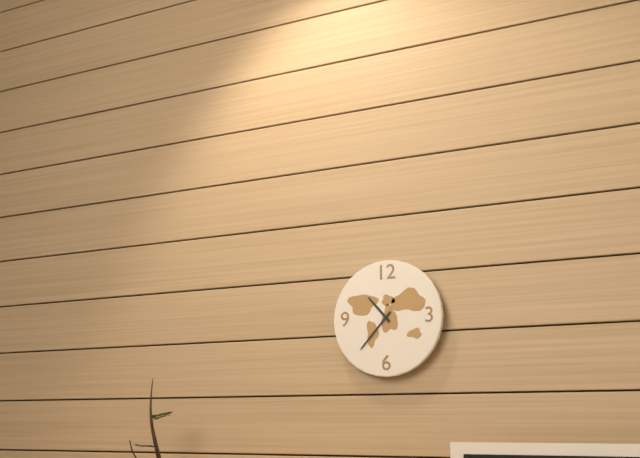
10:37
